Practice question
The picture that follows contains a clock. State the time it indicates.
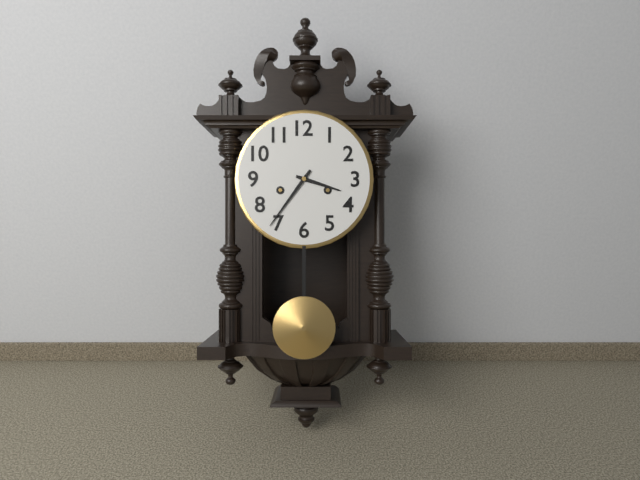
3:36
